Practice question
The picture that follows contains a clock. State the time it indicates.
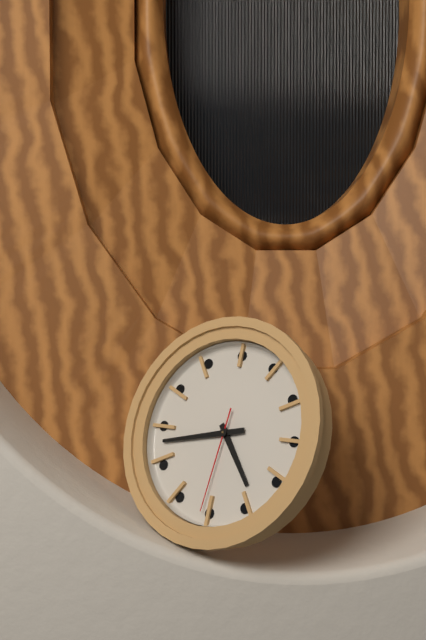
4:43:31
